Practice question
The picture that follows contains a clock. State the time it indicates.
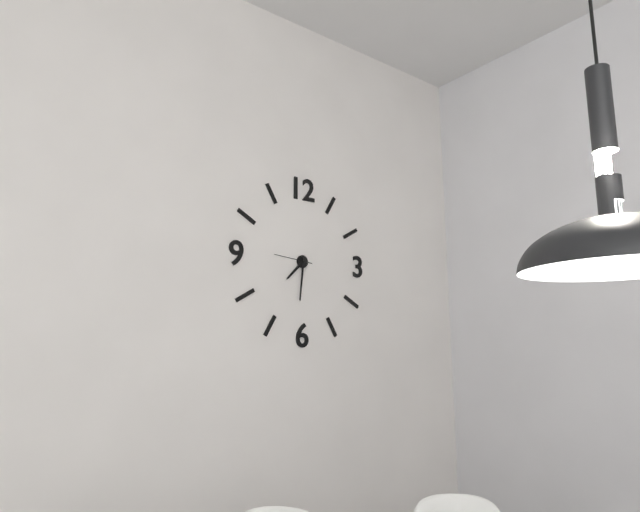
7:31
